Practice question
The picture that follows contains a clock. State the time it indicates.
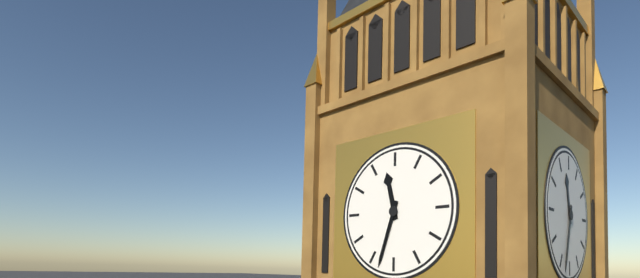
11:33
